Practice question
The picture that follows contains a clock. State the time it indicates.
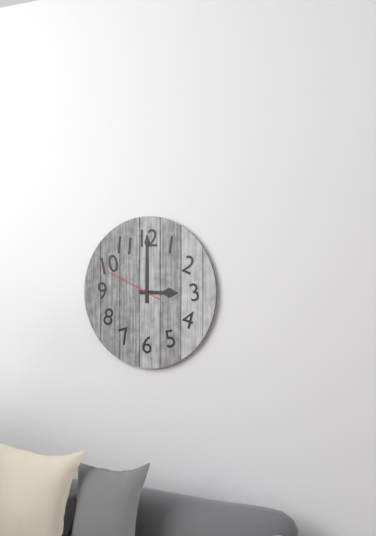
3:00:49
